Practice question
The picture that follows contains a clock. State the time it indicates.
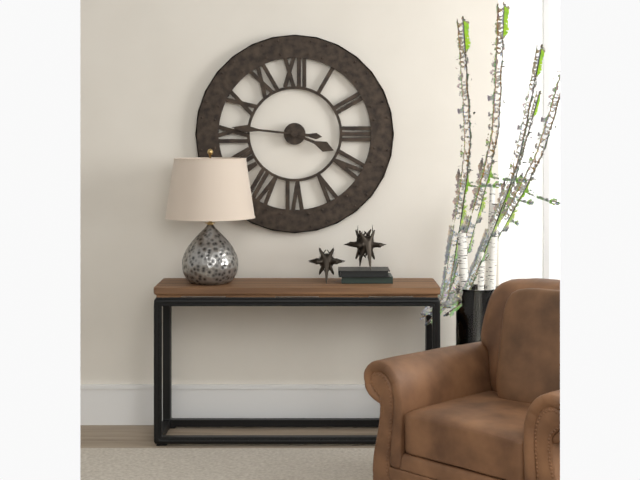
3:46
